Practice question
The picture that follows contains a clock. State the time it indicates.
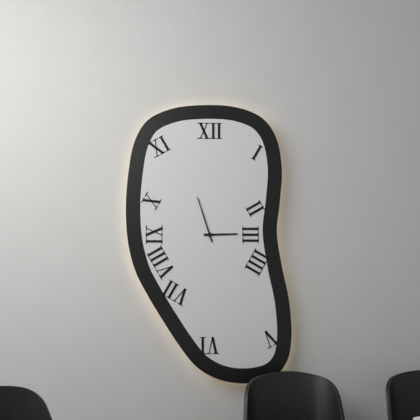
2:57
